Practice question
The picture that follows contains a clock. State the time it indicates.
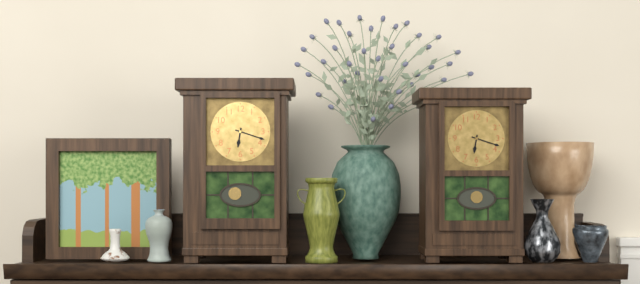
6:18
